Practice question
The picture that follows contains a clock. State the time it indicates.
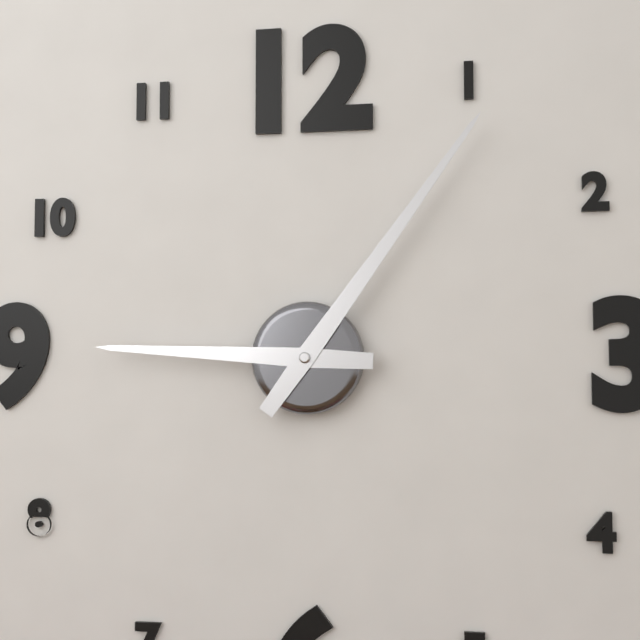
9:06
